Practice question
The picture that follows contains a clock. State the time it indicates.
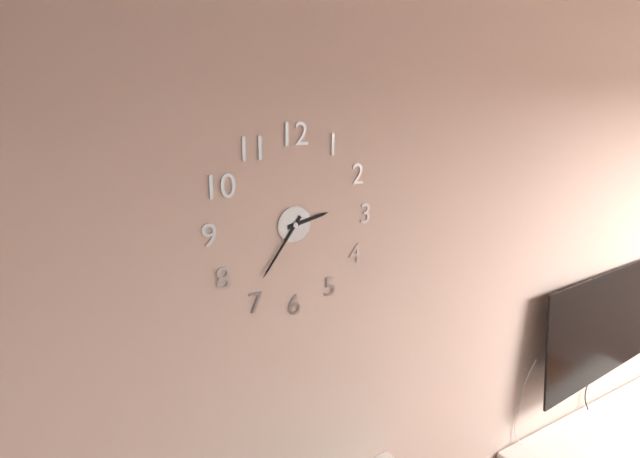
2:36
